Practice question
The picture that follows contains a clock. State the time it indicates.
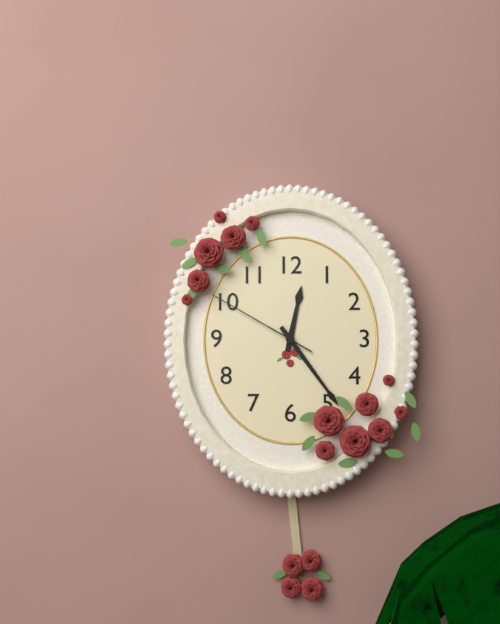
12:24:50
